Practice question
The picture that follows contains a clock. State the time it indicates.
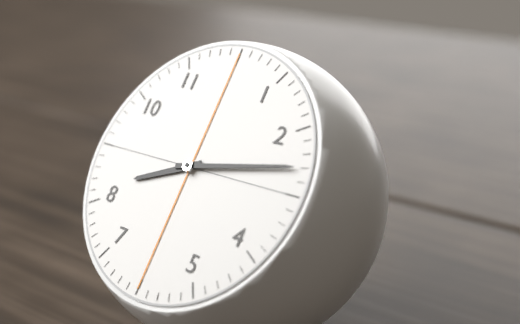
8:13
